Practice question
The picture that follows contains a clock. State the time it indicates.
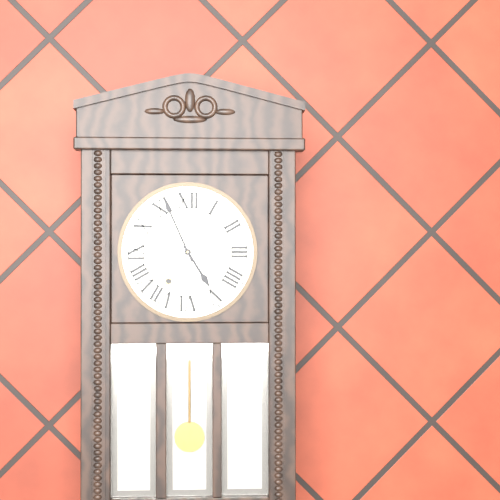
4:56
